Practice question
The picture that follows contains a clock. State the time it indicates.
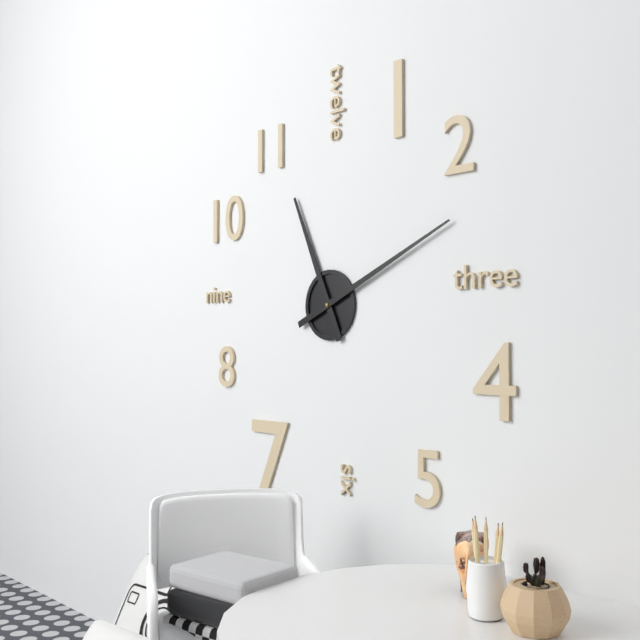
11:11
